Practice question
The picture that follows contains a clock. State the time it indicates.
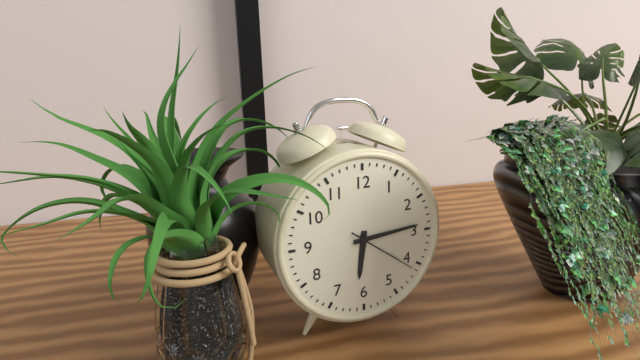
6:14:21
